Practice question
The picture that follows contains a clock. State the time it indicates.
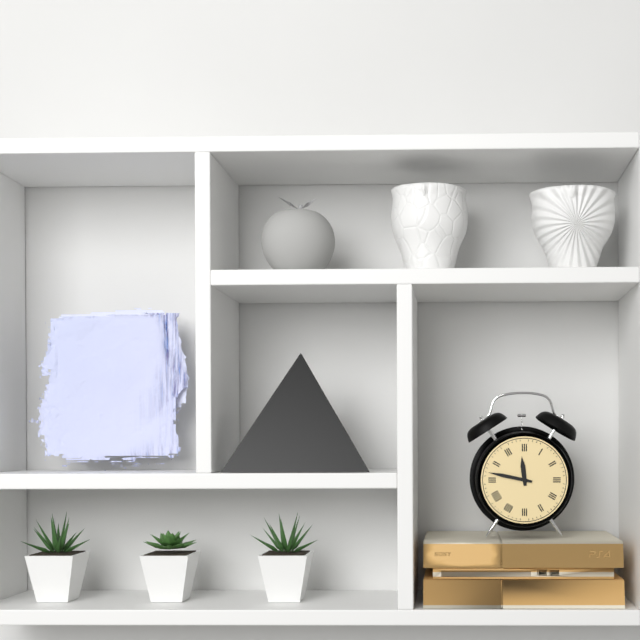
11:47
